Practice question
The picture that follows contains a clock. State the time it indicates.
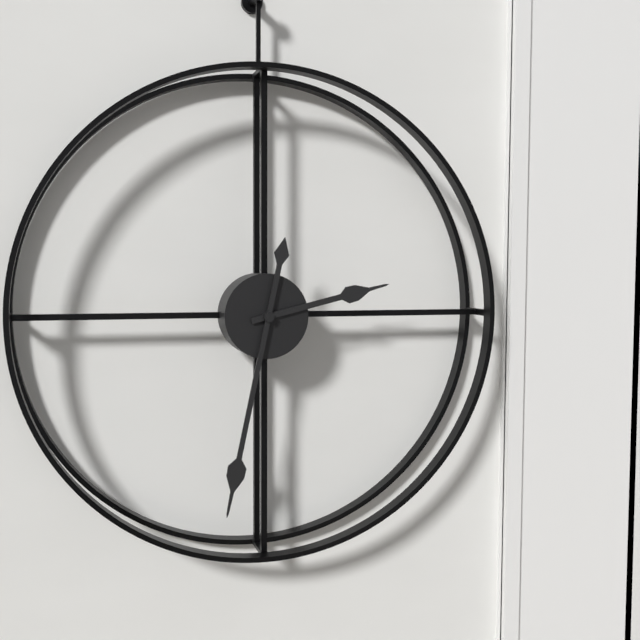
2:32
